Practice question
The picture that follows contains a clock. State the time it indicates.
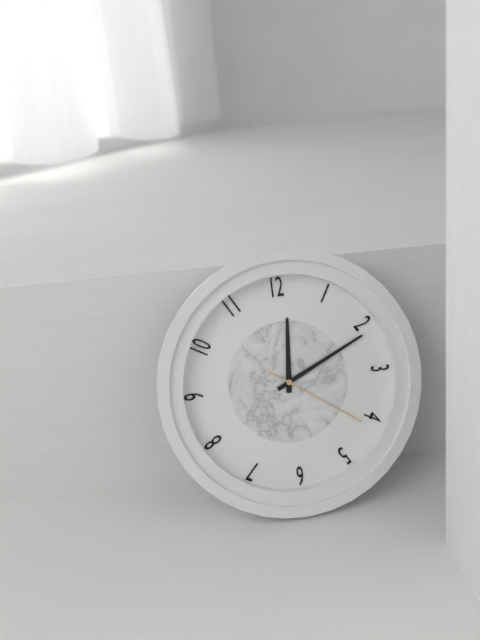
12:11:21
